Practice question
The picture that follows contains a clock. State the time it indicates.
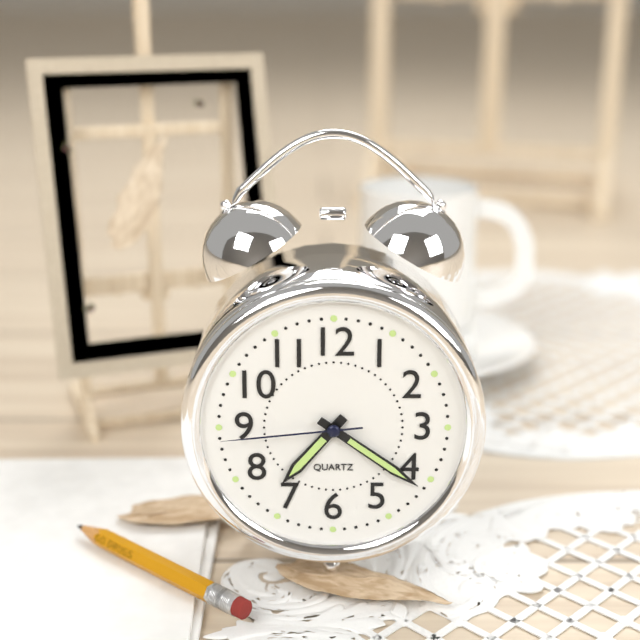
7:21:44
